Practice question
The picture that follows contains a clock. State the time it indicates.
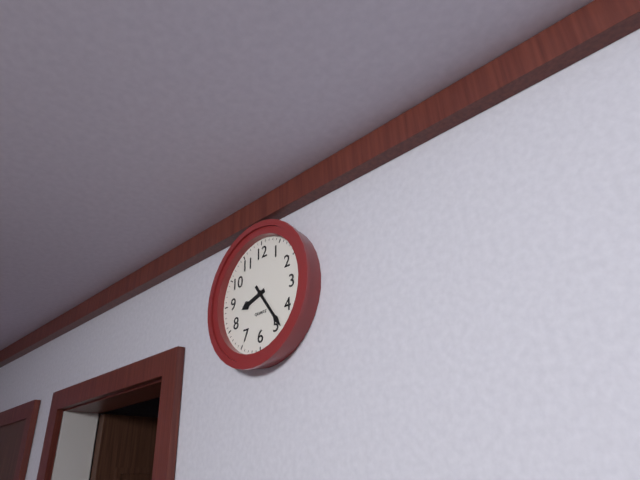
8:24
